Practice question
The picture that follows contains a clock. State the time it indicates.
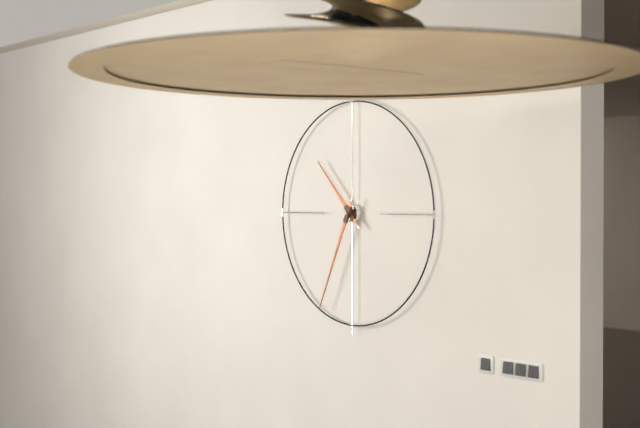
10:34
